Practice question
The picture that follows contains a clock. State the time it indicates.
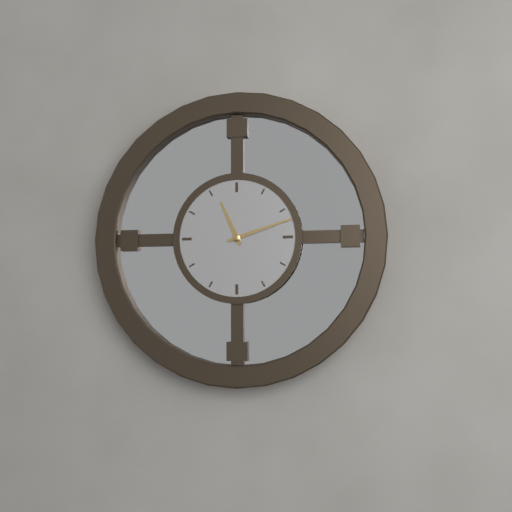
11:12
